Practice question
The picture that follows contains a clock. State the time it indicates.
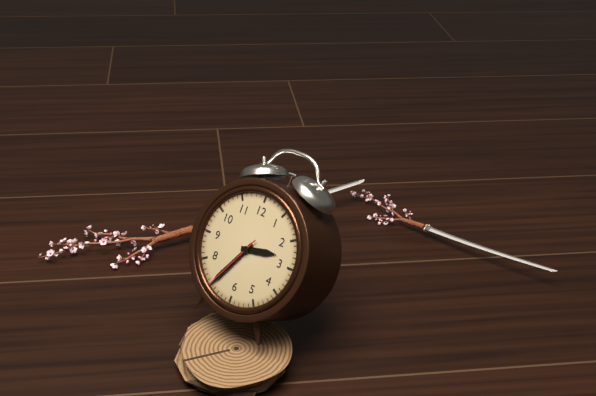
2:35:35
